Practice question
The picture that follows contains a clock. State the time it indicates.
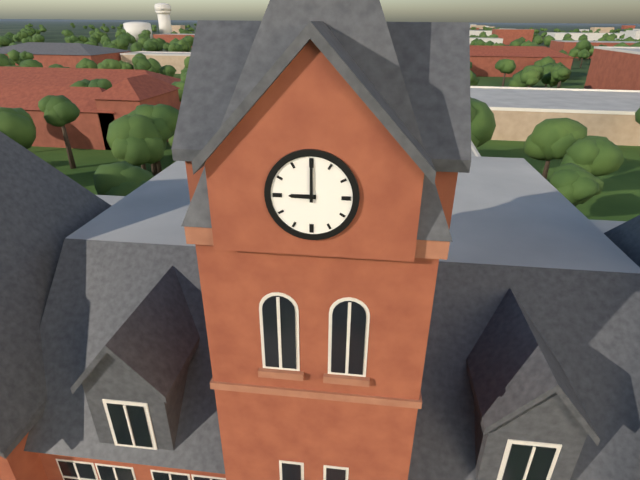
9:00
